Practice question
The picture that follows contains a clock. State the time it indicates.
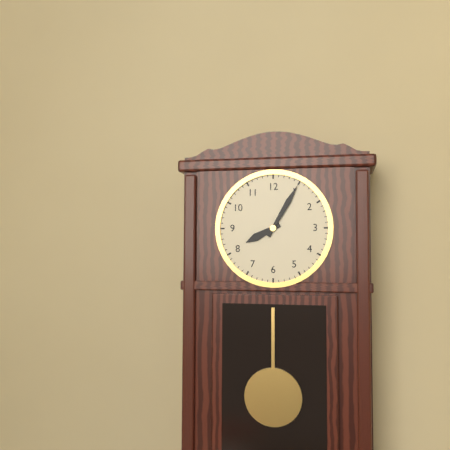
8:05
